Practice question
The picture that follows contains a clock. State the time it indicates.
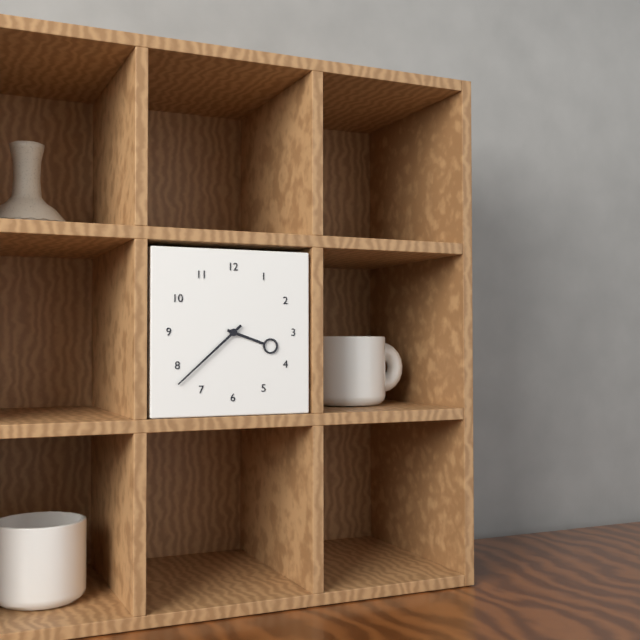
3:38
